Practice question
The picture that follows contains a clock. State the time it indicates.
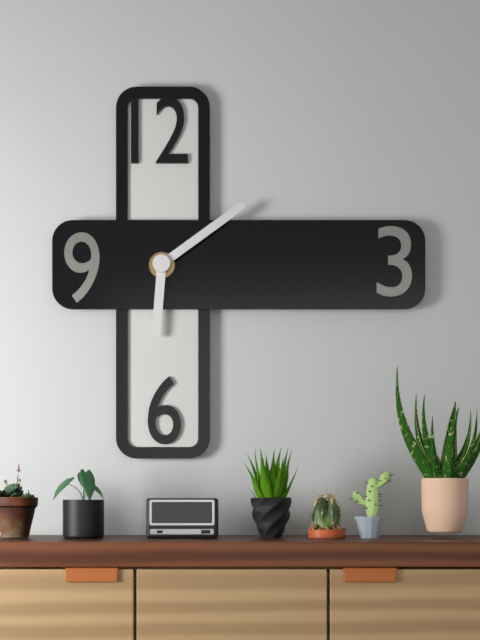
6:09
